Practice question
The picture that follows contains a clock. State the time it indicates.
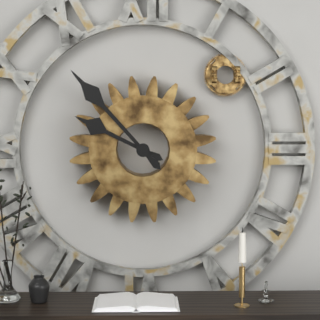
9:53
